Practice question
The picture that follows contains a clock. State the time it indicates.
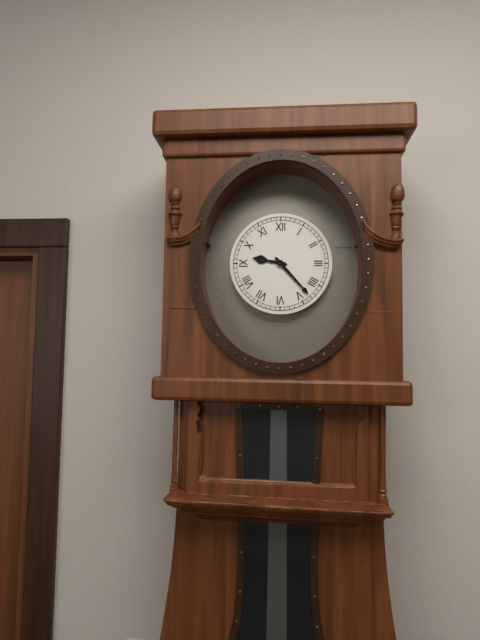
9:23
